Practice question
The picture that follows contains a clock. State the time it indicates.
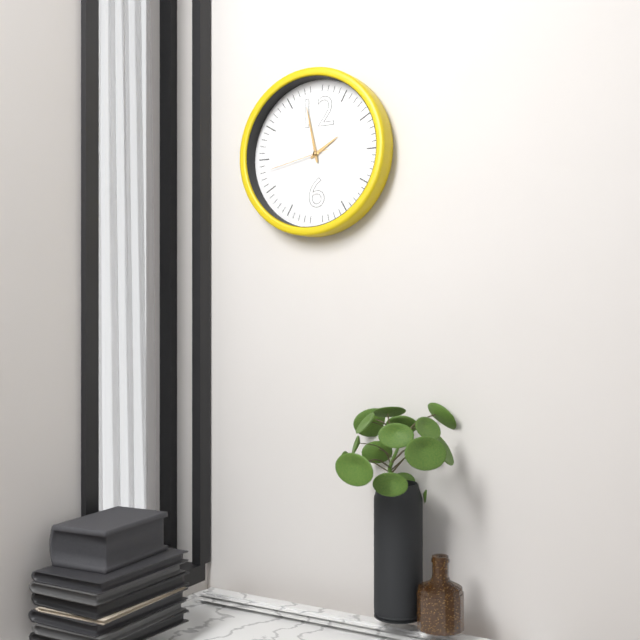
1:58:43
